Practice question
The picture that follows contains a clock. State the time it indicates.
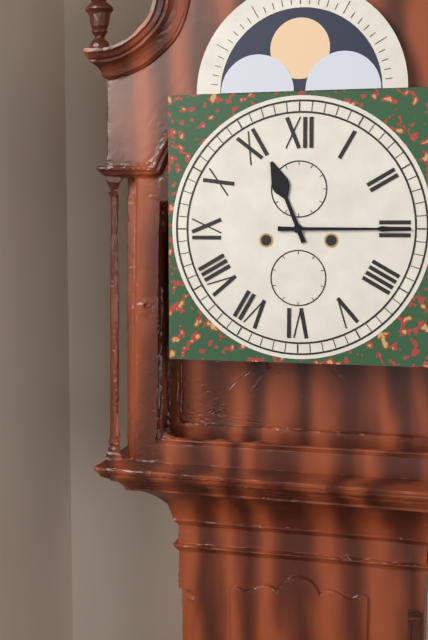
11:15
